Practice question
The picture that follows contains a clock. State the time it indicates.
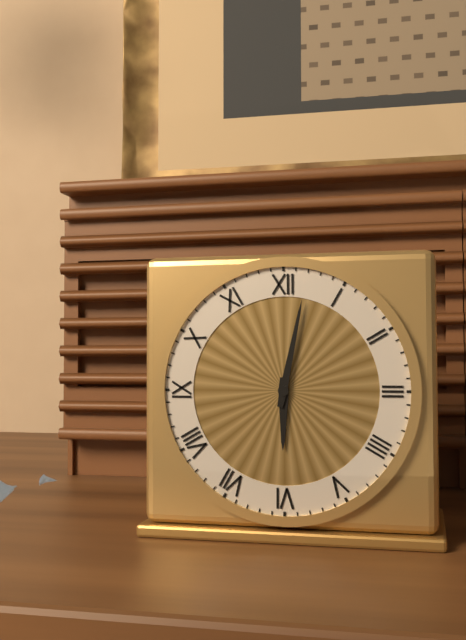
6:02
